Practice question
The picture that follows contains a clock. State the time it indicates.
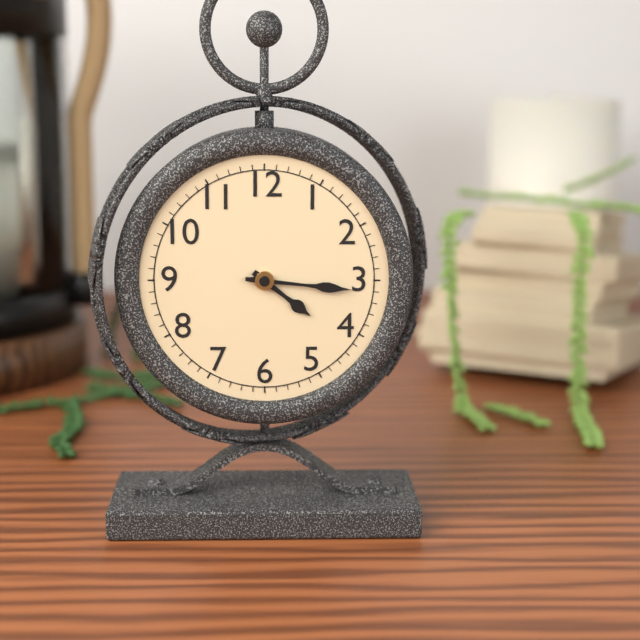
4:16
